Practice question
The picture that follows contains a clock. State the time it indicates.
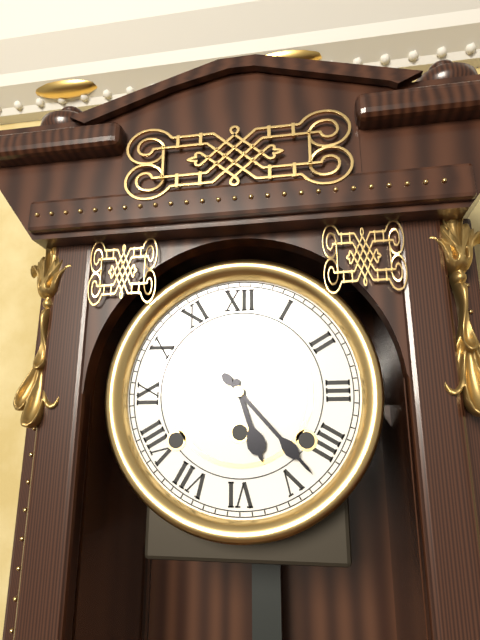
5:23
